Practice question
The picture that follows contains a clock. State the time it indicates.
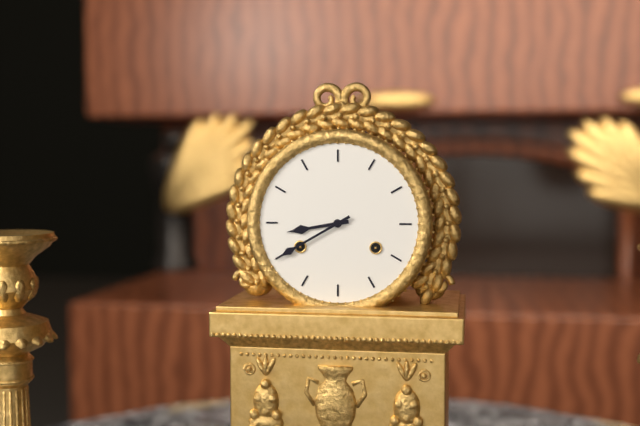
8:40
